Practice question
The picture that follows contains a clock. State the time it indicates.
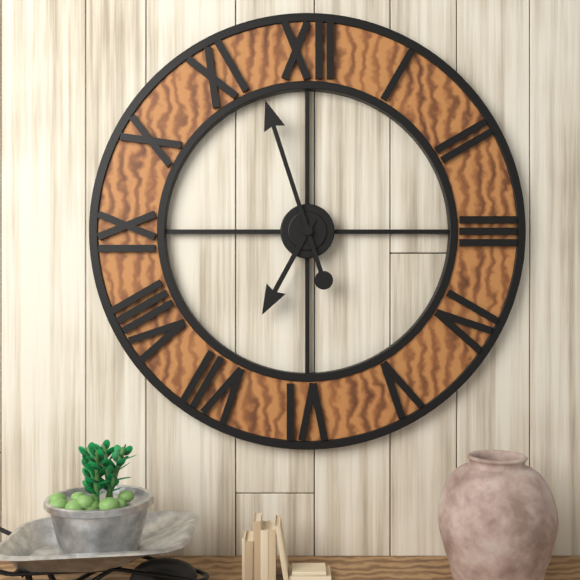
6:57
